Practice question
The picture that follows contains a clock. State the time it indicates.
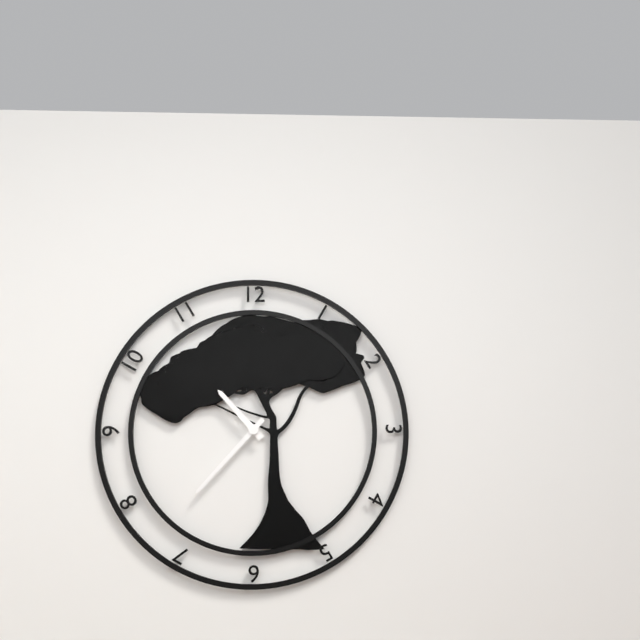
10:37
